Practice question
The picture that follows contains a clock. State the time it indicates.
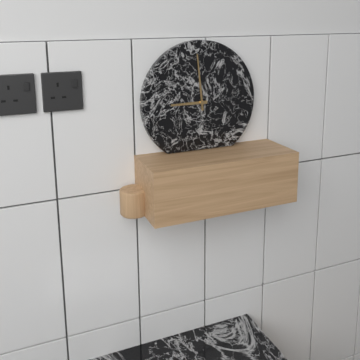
8:59
